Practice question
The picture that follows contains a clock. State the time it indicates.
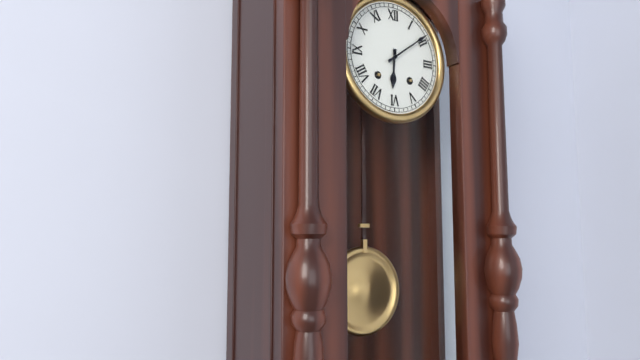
6:09
